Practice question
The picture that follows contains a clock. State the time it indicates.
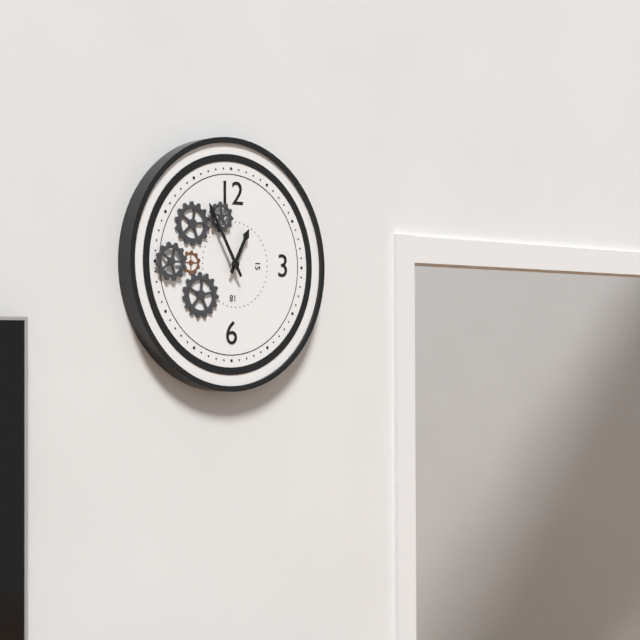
12:55
